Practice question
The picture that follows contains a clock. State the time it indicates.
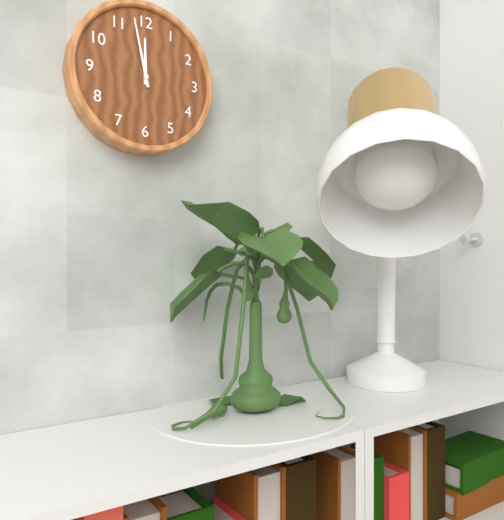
11:58
